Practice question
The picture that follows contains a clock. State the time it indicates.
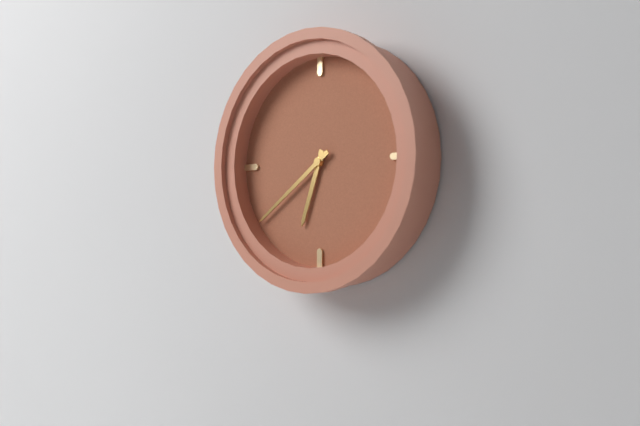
6:39
